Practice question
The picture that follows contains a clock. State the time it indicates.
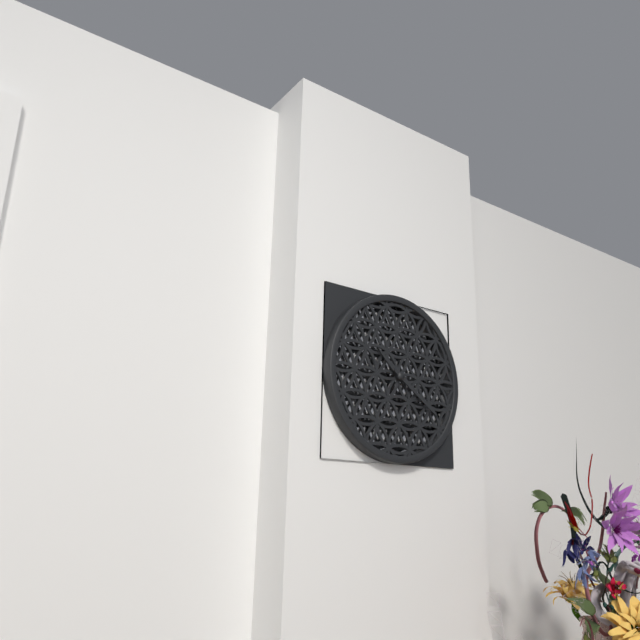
10:21
